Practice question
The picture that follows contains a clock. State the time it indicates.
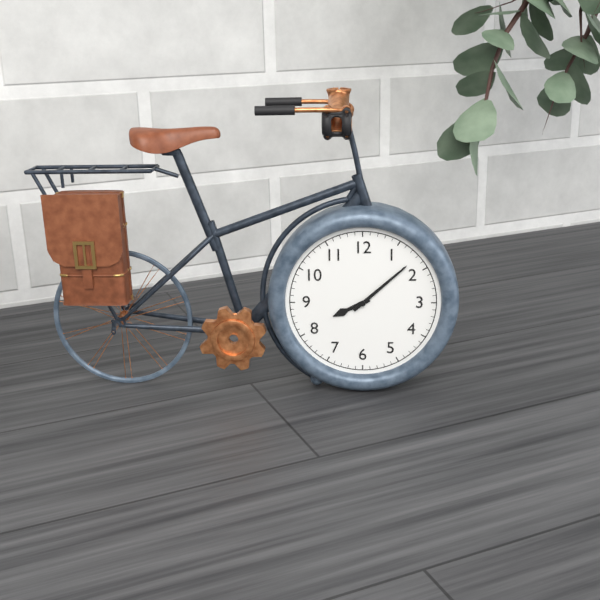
8:08
